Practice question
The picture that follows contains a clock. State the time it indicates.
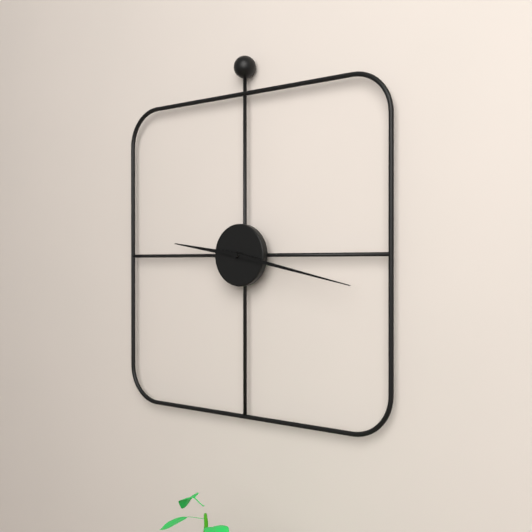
9:17
